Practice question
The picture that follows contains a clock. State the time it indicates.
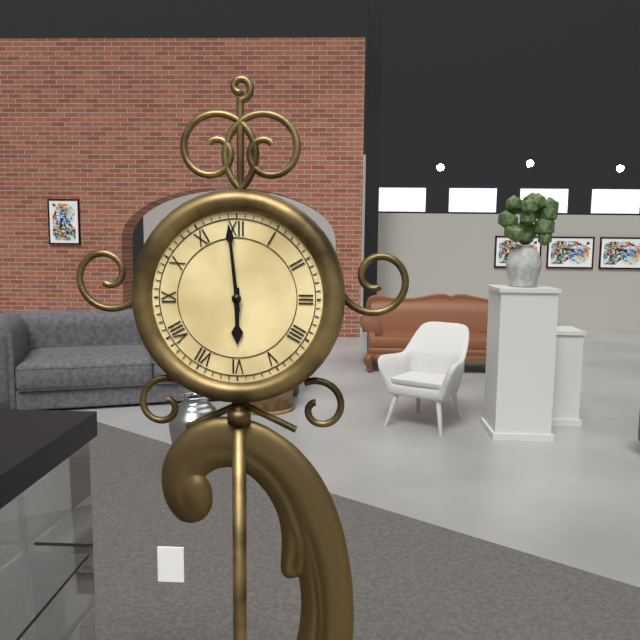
5:59
